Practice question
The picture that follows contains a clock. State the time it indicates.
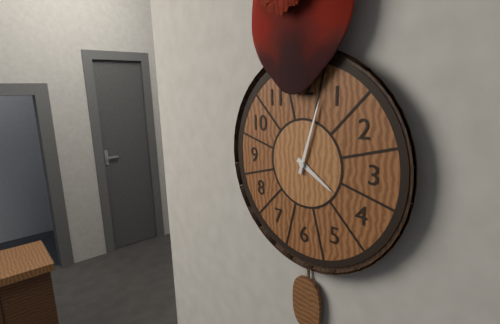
4:03
